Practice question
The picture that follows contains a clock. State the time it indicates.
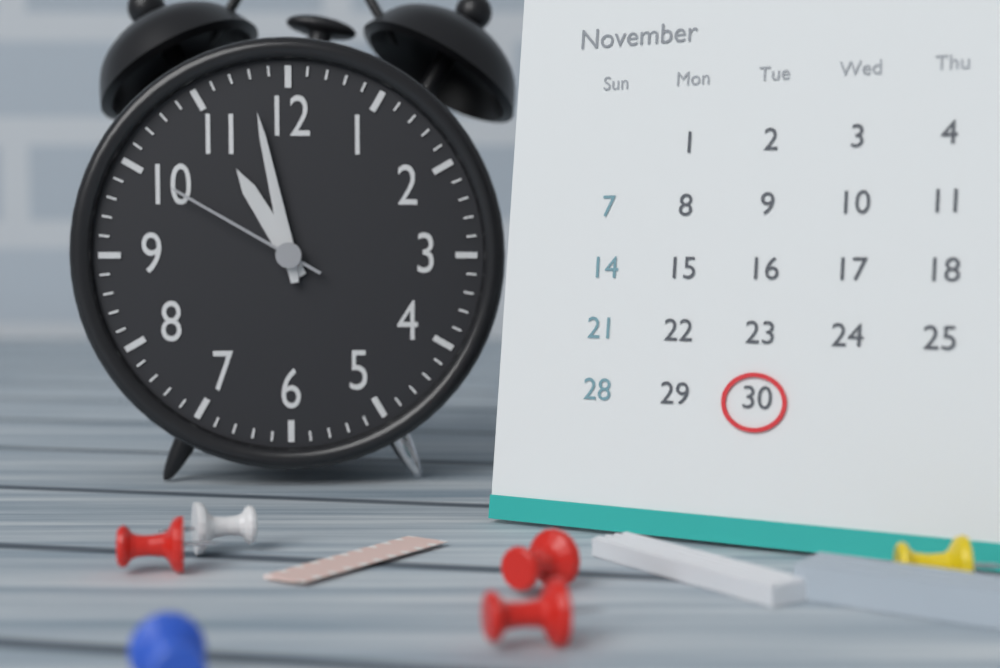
10:58:50
